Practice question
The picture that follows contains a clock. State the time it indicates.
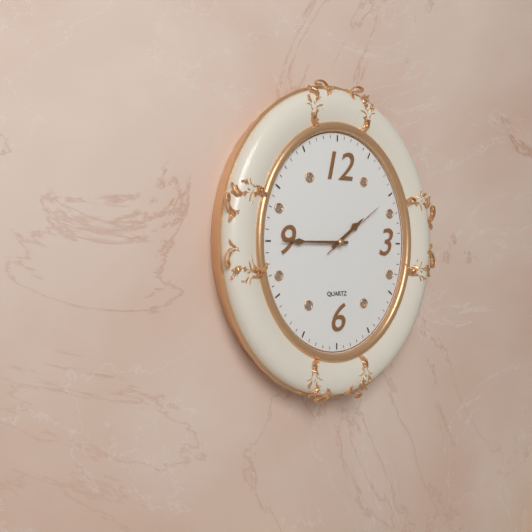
1:45:09
